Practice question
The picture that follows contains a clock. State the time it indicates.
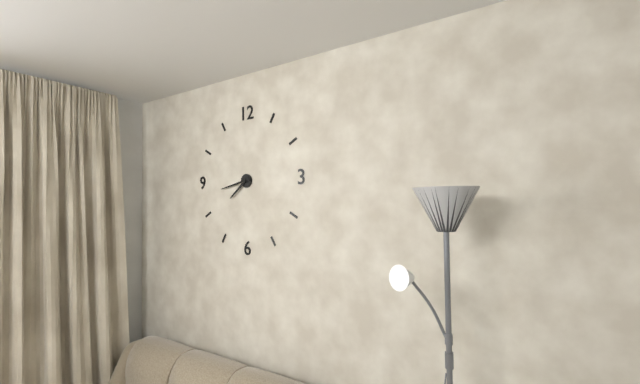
7:43
